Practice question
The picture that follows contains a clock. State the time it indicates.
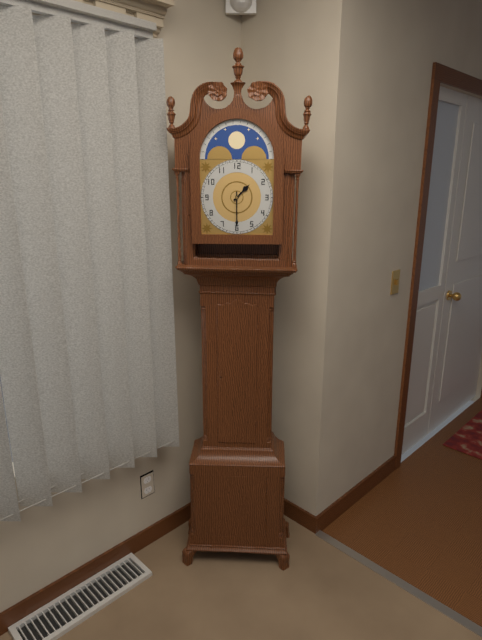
1:30
